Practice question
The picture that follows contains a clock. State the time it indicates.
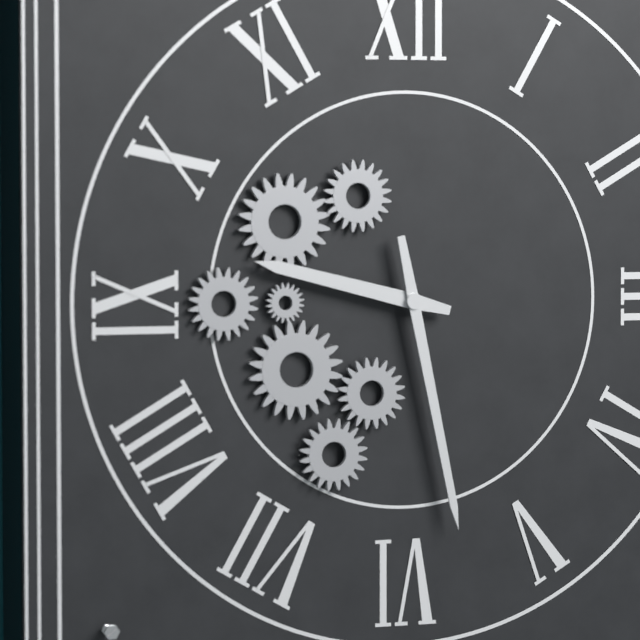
9:28
